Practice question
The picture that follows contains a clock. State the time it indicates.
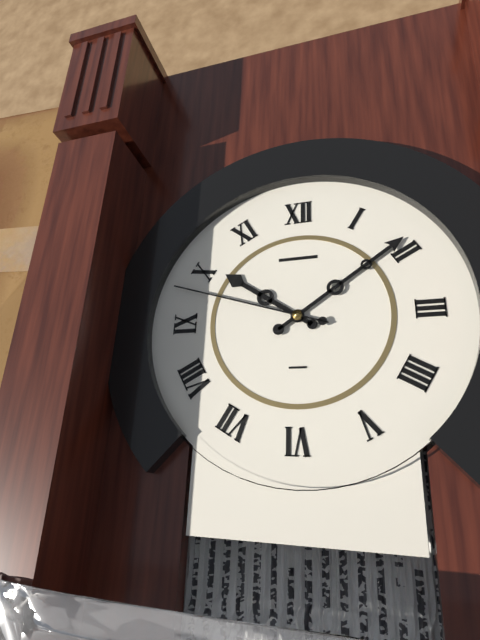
10:09:48
